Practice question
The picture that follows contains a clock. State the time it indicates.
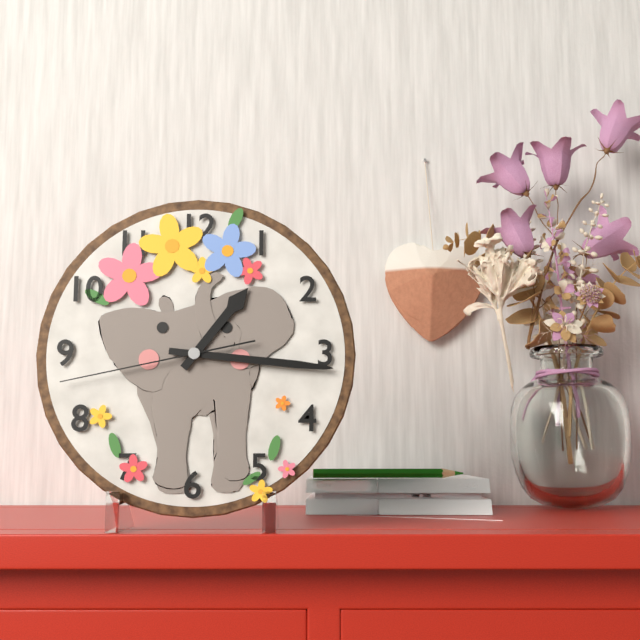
1:16:43
